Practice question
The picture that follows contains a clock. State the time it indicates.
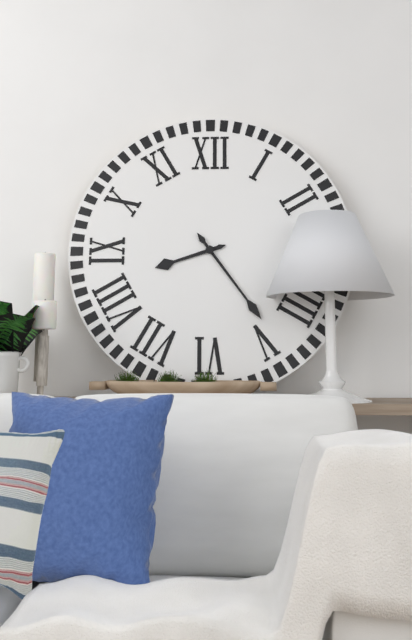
8:24
